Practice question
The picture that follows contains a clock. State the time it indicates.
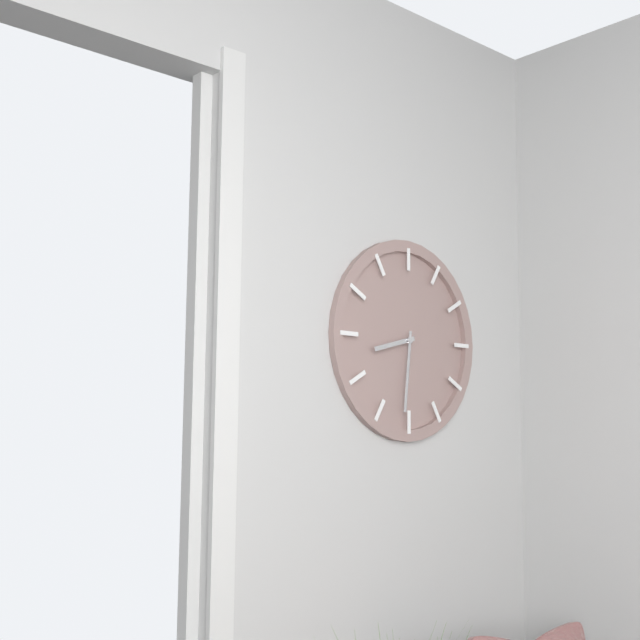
8:31
